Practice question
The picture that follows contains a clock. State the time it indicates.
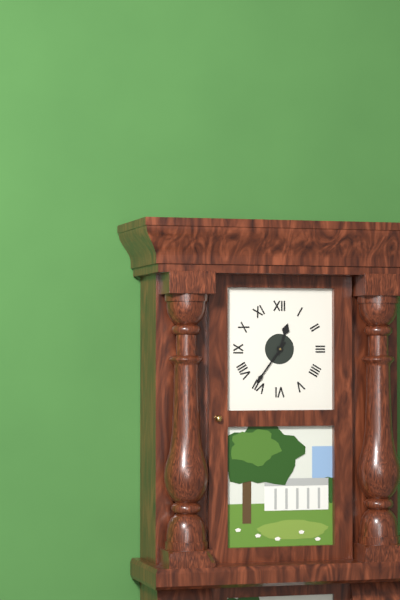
12:36
